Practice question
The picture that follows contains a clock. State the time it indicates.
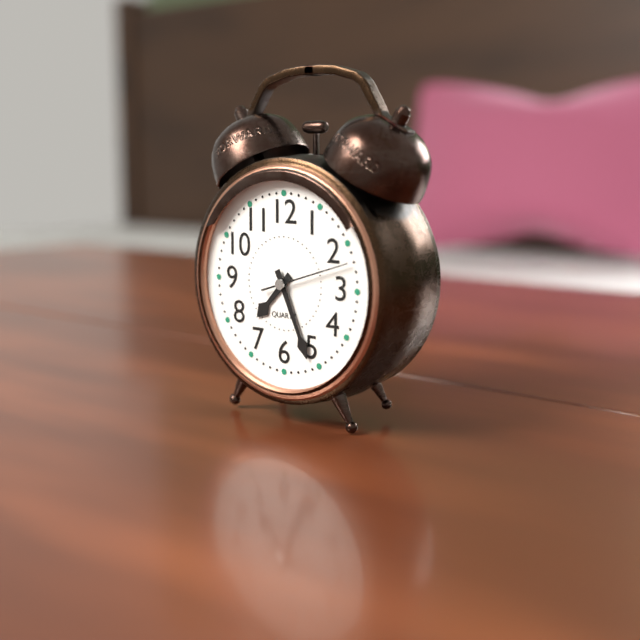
7:26:12
